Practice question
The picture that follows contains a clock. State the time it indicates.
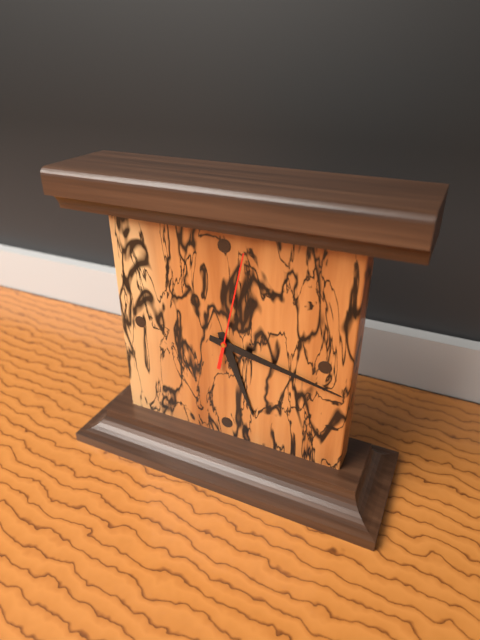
5:17:02
